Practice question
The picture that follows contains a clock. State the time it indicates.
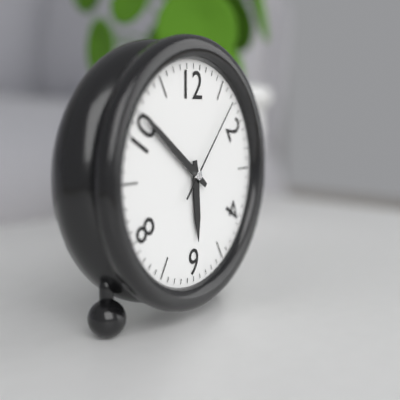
5:51:07
